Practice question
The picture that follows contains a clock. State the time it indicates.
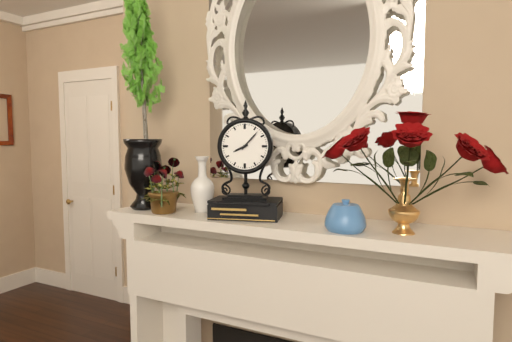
8:07
